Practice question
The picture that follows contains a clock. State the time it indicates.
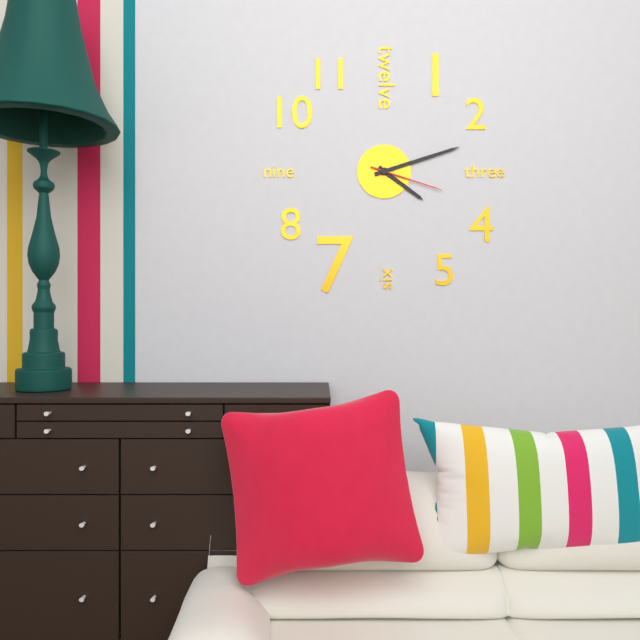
4:12:18
